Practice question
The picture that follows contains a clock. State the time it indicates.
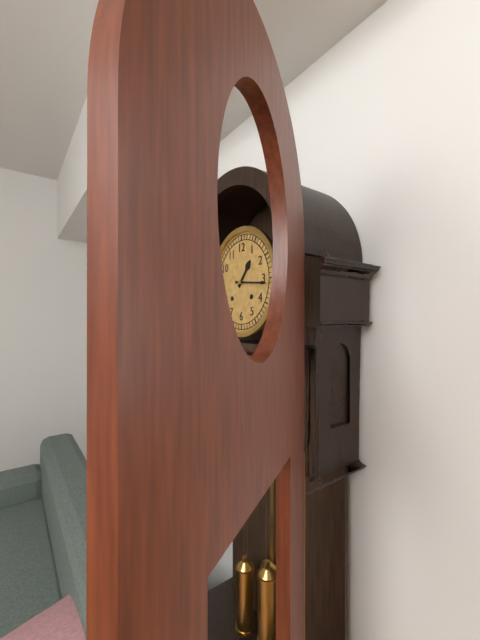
1:16
